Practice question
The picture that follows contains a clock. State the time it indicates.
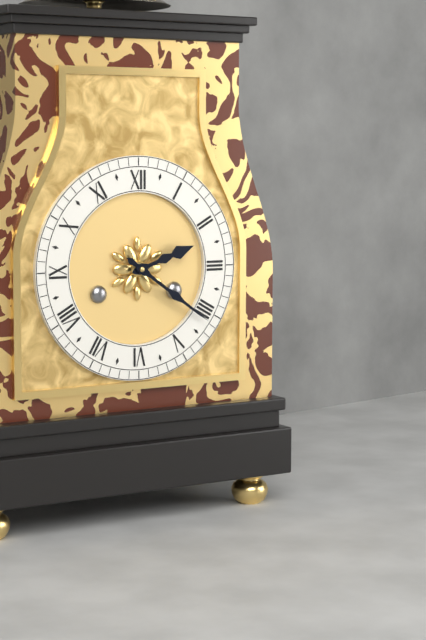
2:21
